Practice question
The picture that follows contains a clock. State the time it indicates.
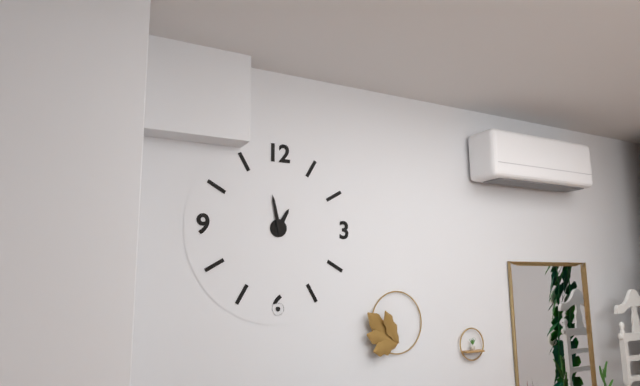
12:58
